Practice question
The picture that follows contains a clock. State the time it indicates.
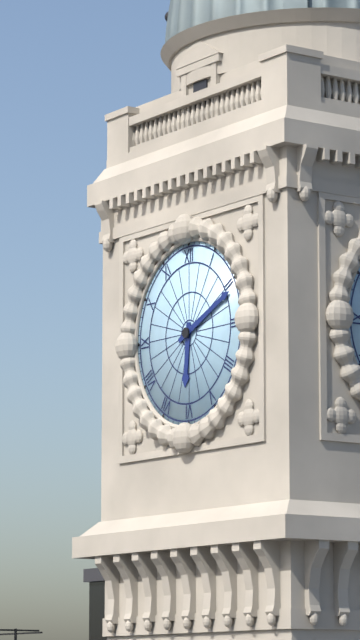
6:11
